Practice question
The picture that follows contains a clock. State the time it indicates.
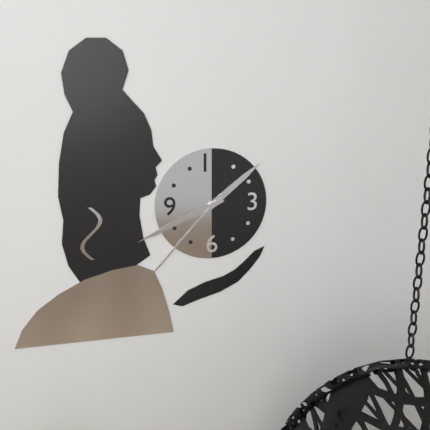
1:41:37
